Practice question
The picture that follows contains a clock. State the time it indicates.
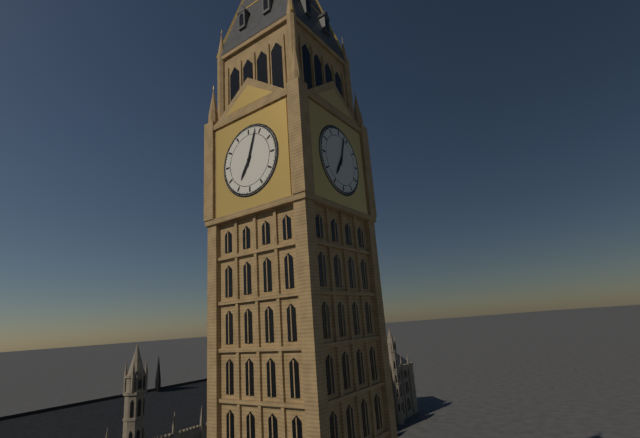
7:03
